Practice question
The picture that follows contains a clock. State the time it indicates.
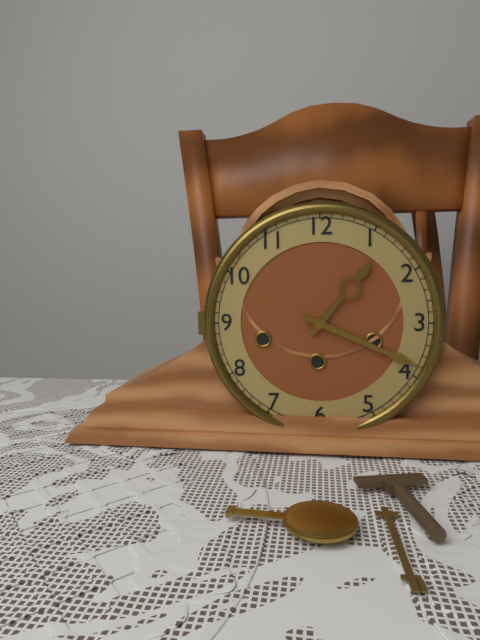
1:19
